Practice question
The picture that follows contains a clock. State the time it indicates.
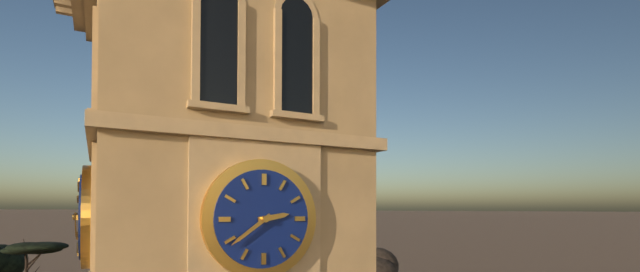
2:39
